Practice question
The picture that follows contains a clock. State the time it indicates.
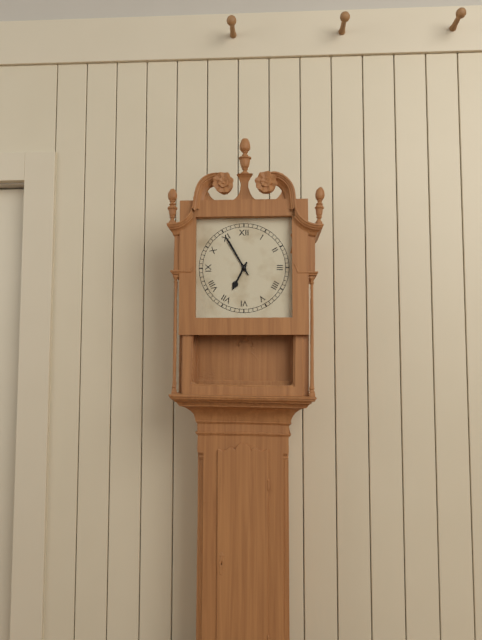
6:55
